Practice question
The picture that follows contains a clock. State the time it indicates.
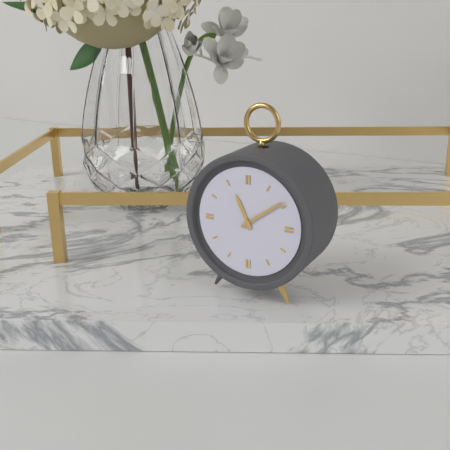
11:09
